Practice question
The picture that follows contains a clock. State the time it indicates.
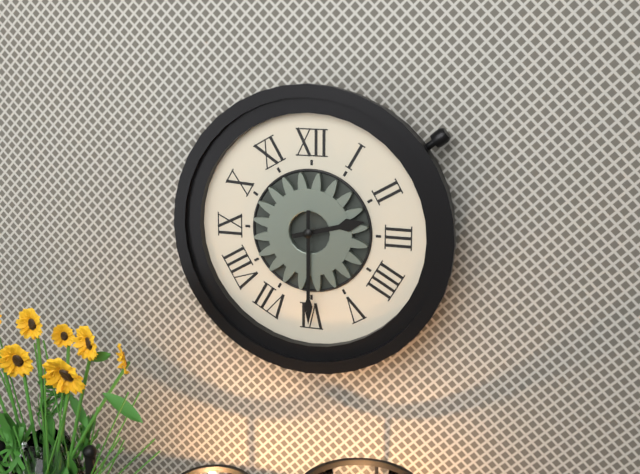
2:30
